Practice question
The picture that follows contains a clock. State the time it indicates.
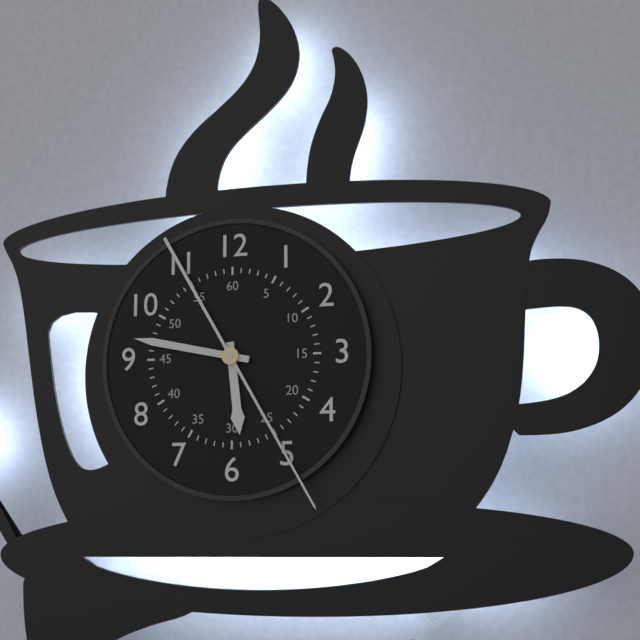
5:47:25
